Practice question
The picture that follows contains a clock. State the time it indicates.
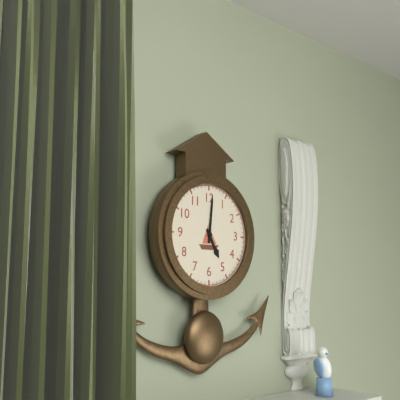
5:01
